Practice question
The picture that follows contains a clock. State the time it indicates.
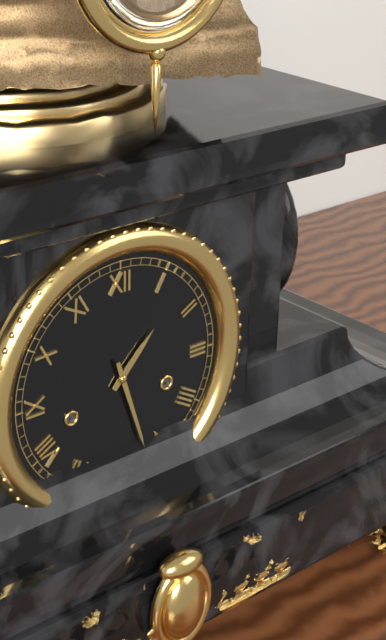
1:27
